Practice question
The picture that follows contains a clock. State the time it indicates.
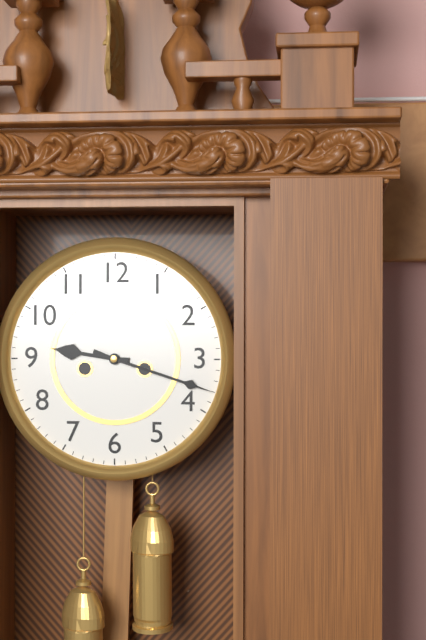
9:18
